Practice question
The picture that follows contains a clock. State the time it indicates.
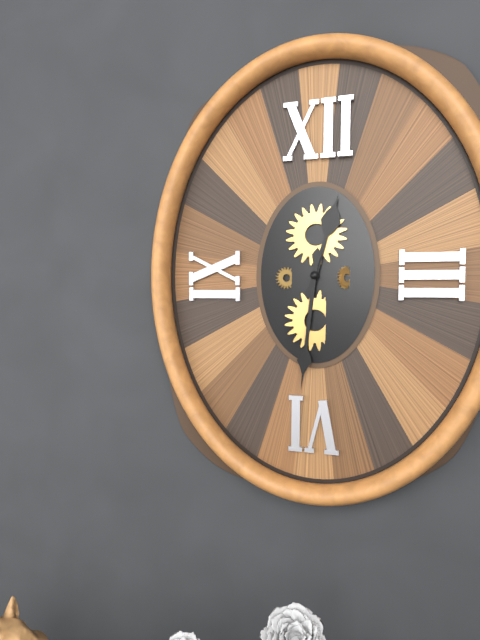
12:31
